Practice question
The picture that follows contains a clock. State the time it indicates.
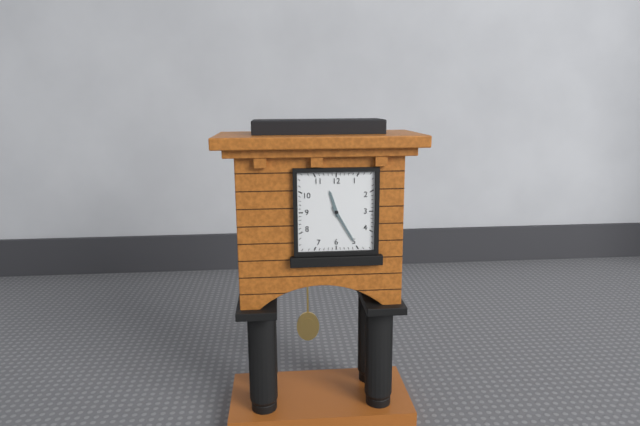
11:25
